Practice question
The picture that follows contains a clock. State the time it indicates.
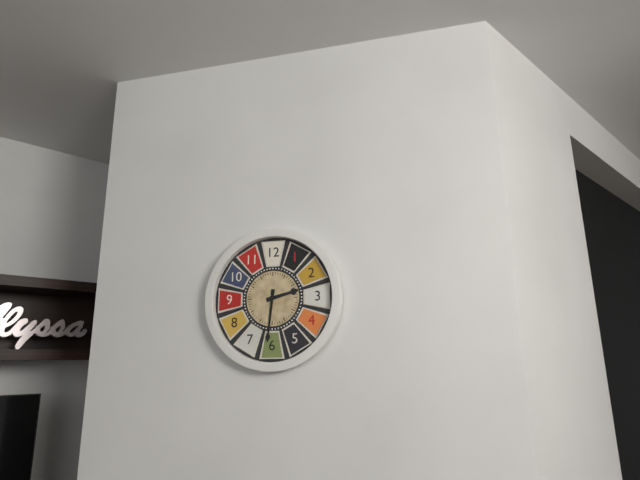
2:31
